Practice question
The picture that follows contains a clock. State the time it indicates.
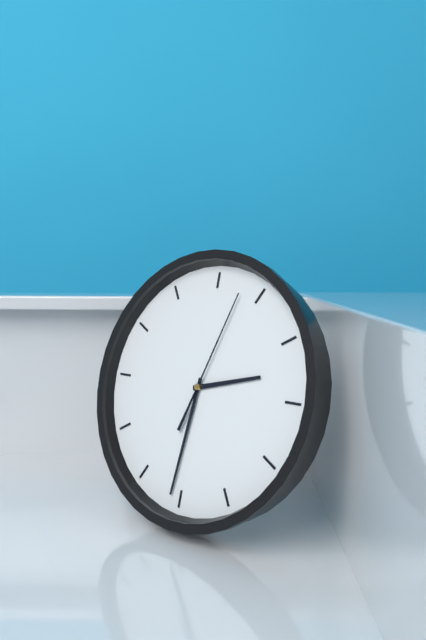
2:31:03
